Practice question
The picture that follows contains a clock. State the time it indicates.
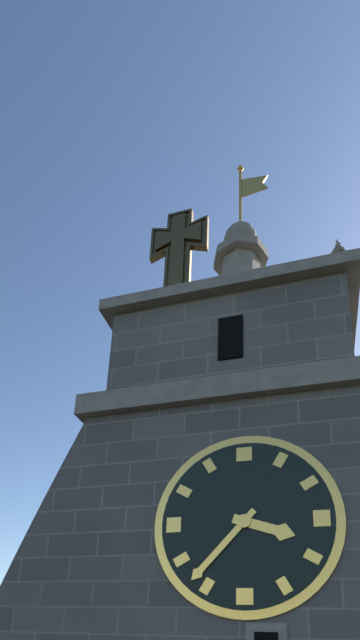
3:37
